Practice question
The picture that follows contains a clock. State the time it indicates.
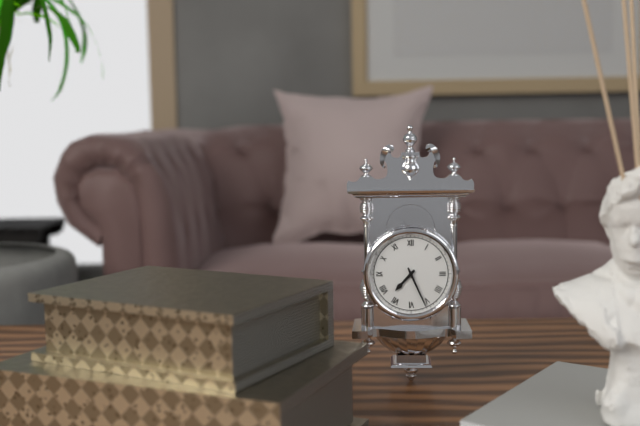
7:26
